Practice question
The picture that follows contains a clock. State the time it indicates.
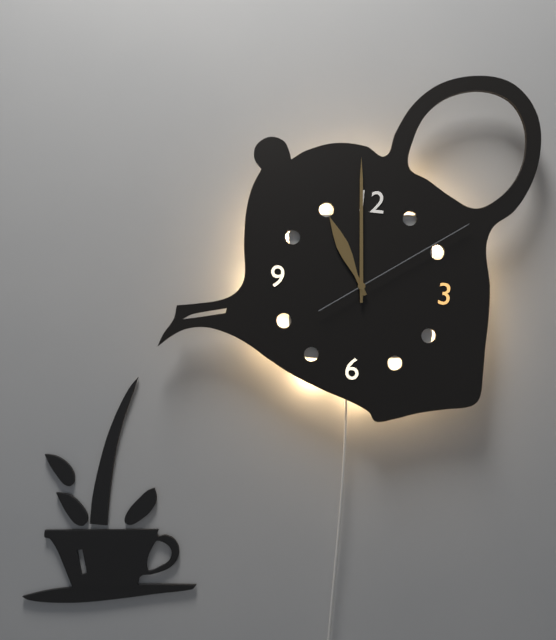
10:59:09
